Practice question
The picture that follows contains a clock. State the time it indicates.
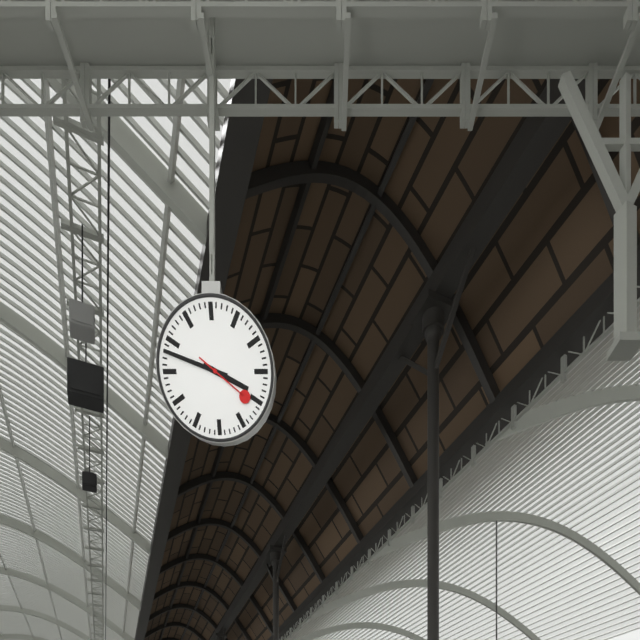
3:48:21
